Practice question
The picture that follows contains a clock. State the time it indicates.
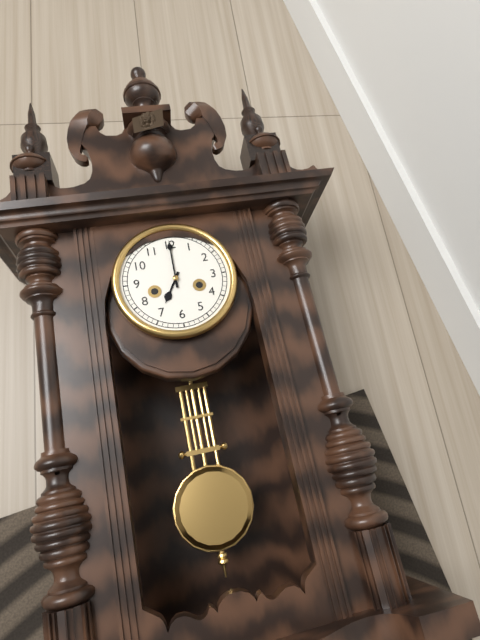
7:00
